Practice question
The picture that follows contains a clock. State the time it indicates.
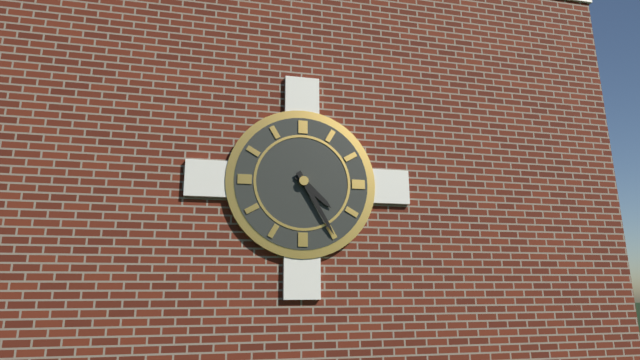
4:25
